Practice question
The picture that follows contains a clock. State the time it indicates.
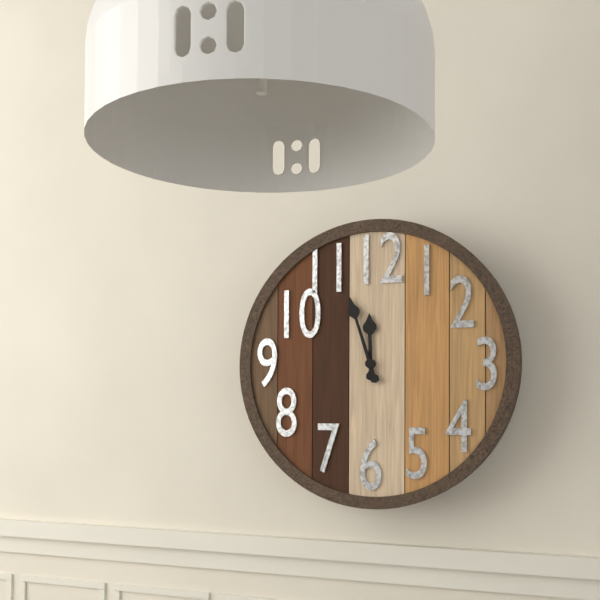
11:57
